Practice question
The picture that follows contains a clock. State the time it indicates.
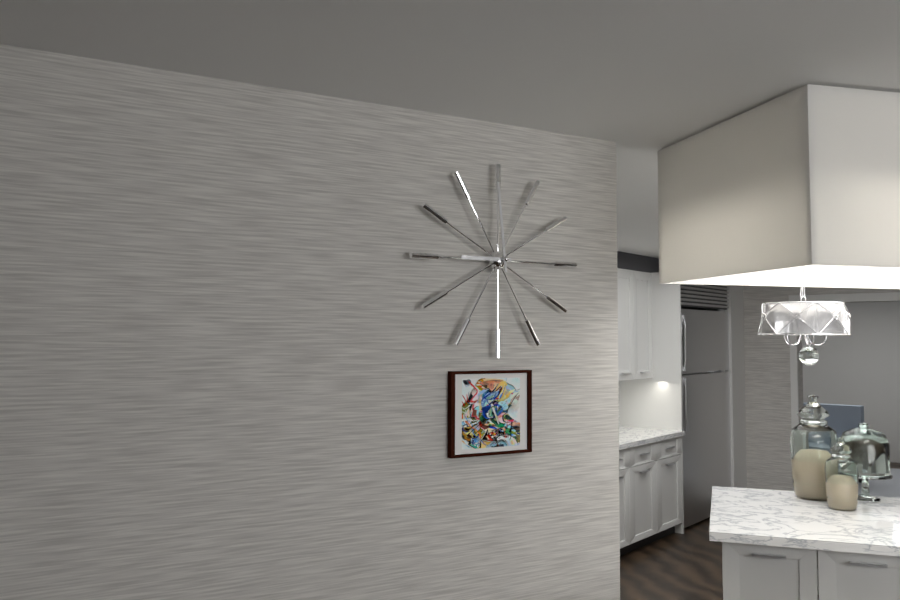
8:59
